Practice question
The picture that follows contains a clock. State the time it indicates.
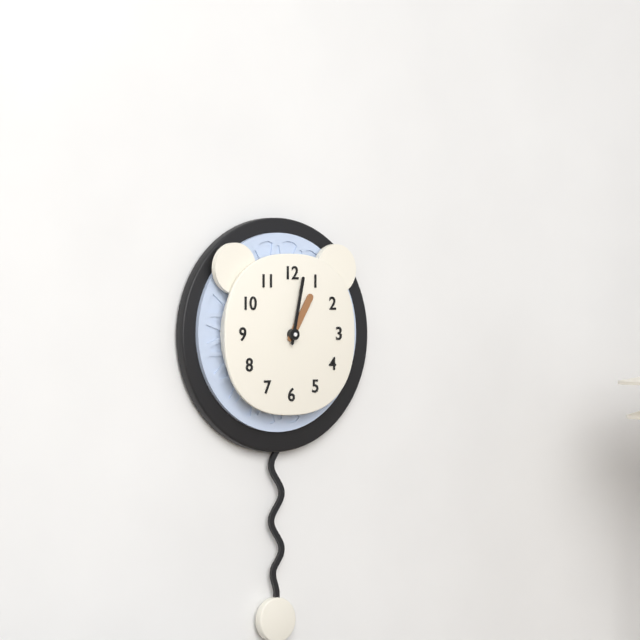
1:02
